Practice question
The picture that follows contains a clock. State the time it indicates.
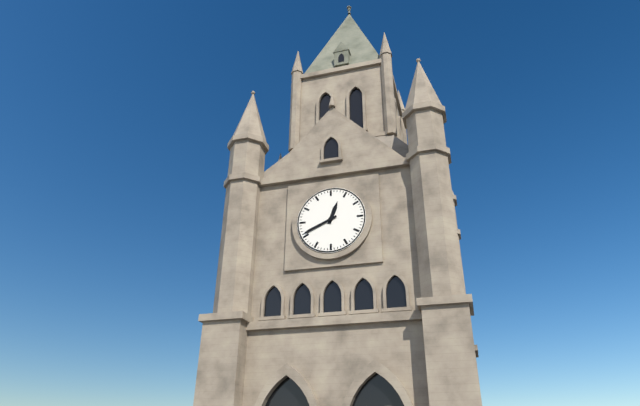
12:41
